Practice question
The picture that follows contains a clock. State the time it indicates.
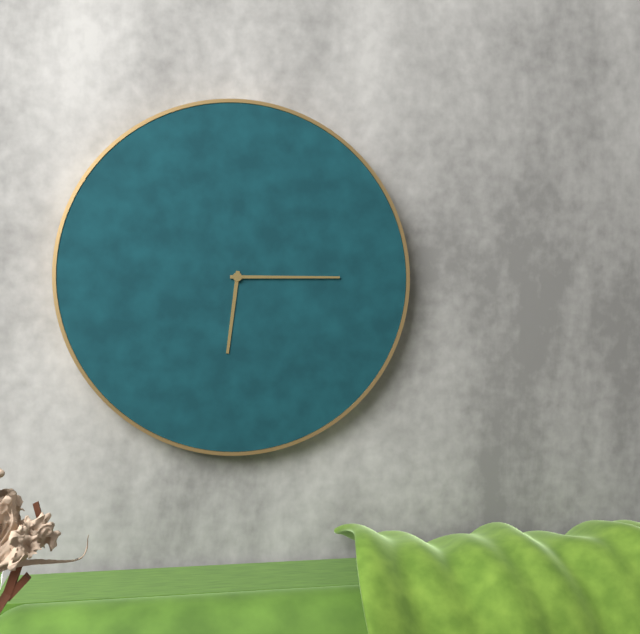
6:15
